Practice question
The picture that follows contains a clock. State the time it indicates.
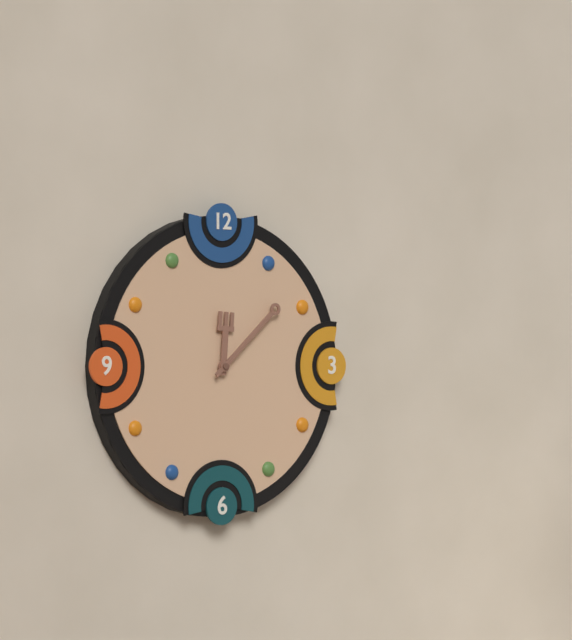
12:08
